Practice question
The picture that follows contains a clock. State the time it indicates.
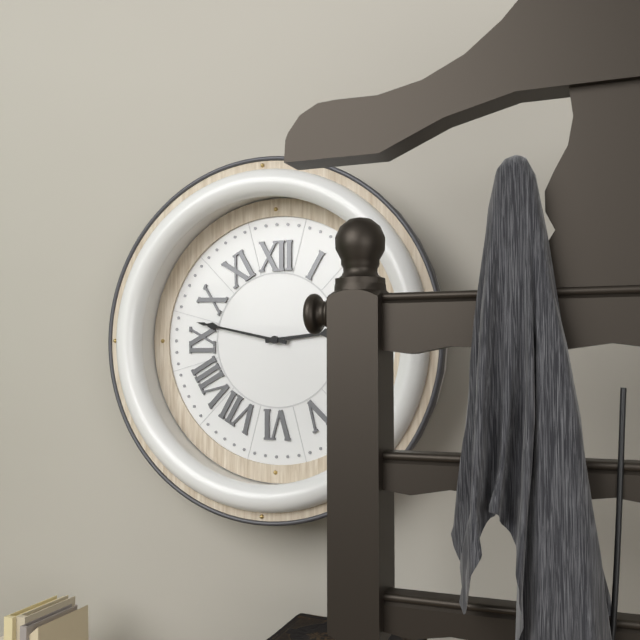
2:47
